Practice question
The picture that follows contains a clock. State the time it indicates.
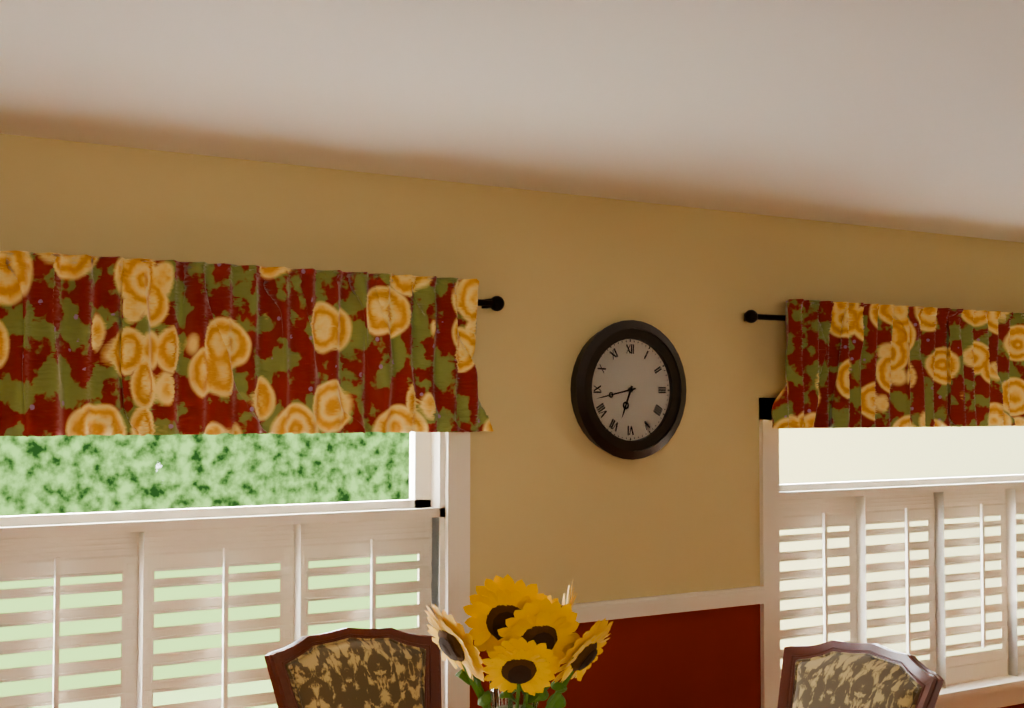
6:43
